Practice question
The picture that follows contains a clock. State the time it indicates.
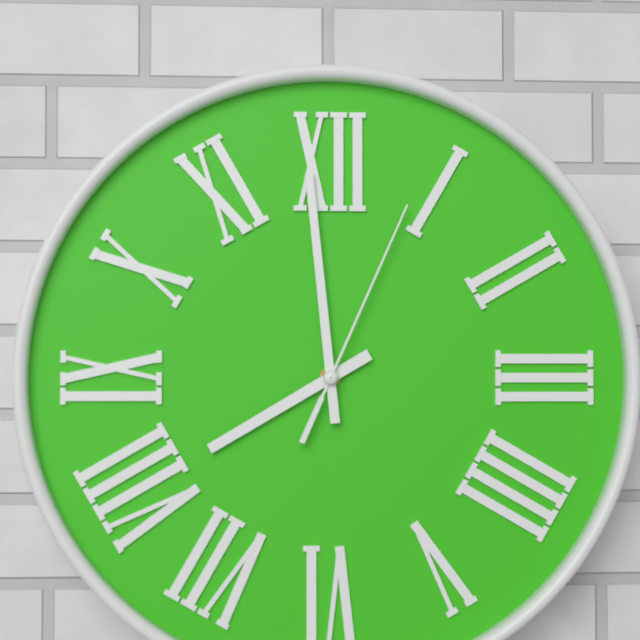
7:59:04
